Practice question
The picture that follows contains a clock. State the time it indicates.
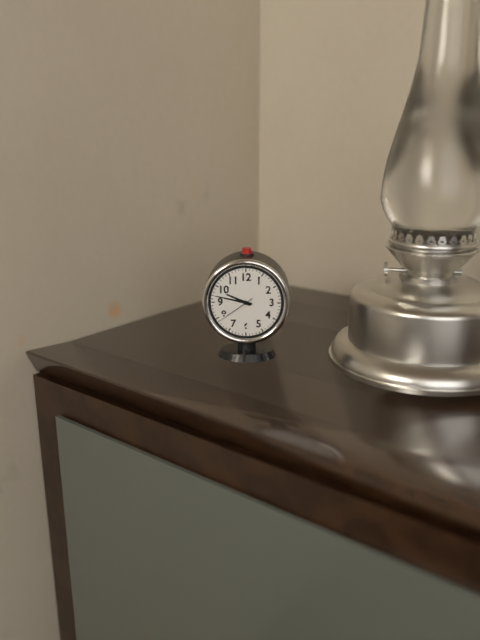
9:47
